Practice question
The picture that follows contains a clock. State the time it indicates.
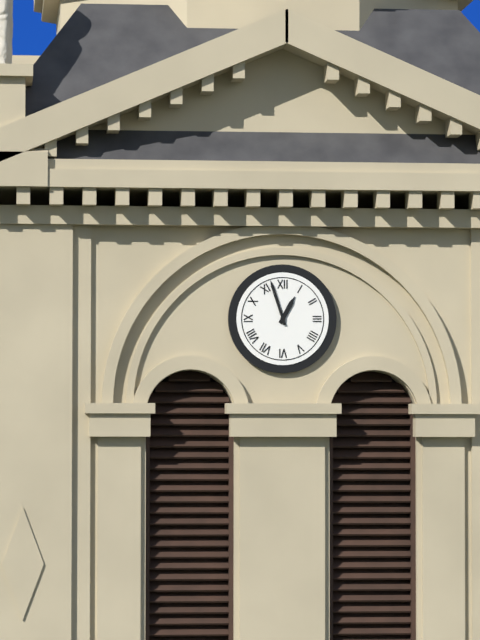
12:57
